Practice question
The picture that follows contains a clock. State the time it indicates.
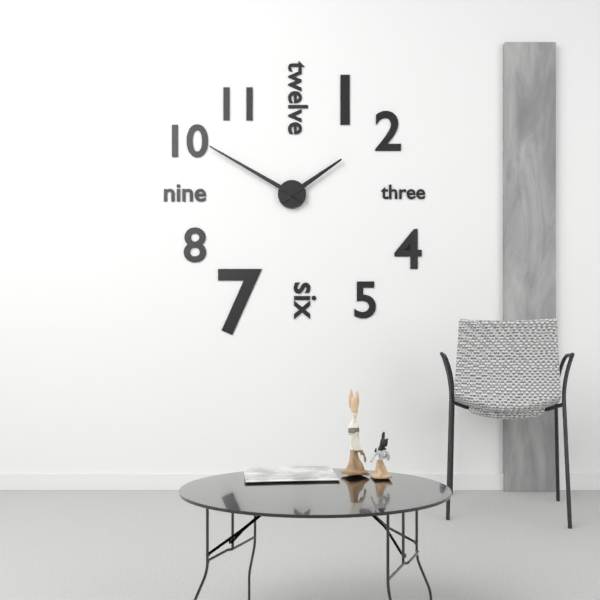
1:50
